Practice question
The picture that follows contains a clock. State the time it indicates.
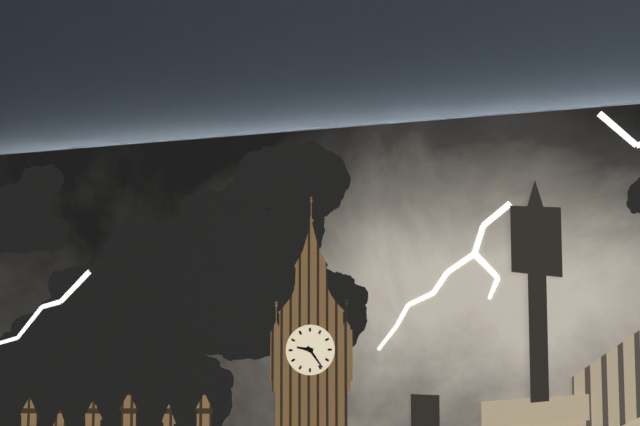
9:24
